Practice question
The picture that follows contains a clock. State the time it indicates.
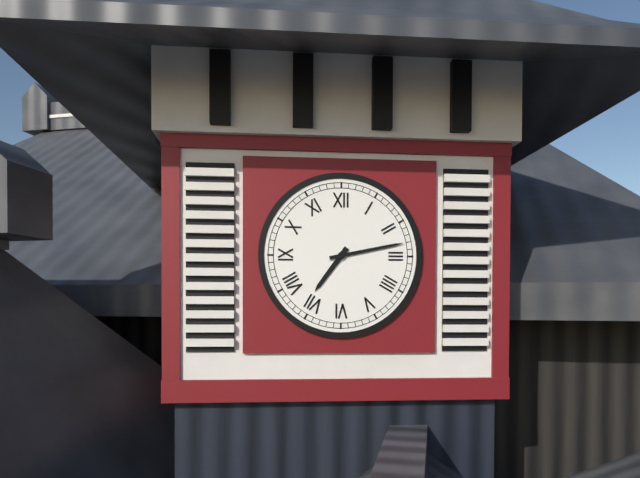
7:13
